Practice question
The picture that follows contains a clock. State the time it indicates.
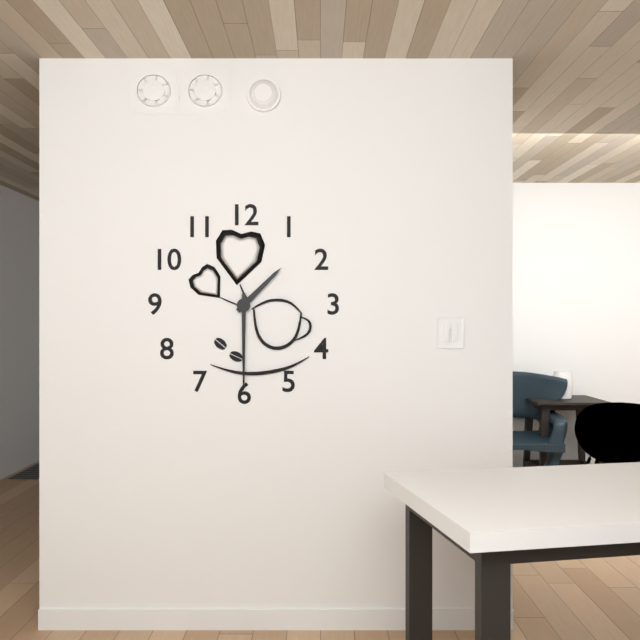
1:30
